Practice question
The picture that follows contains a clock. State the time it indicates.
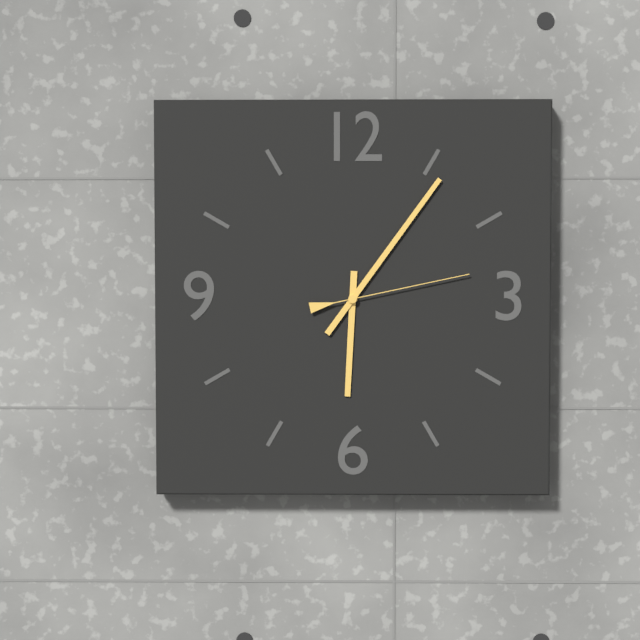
6:06:13
